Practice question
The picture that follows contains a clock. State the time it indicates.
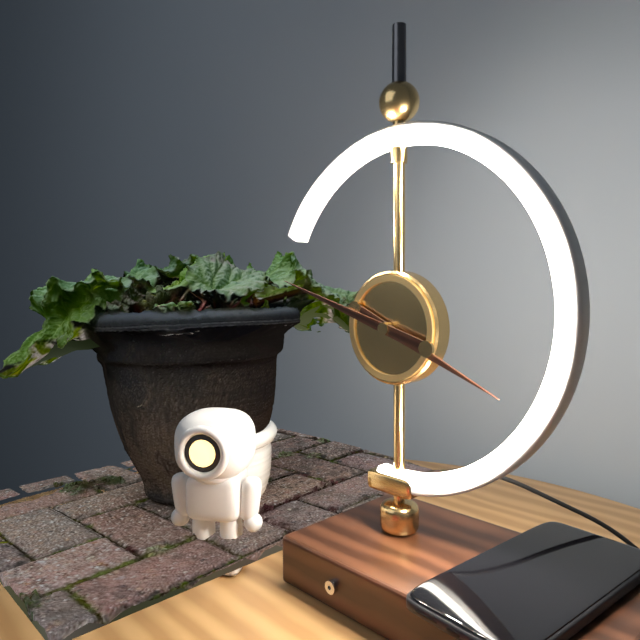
3:48
